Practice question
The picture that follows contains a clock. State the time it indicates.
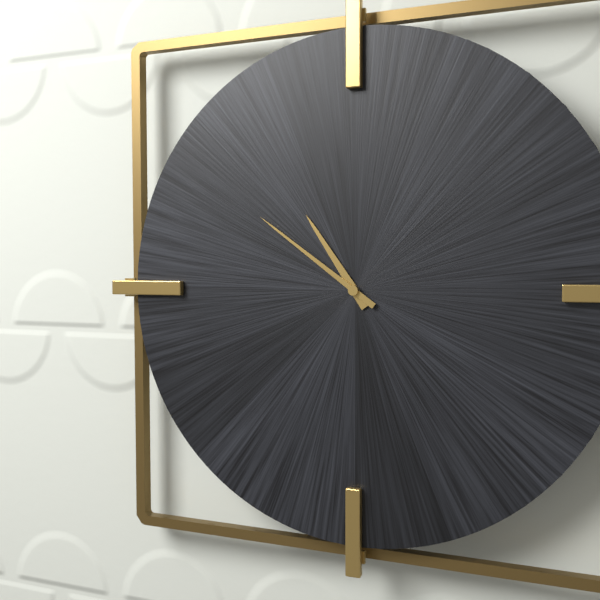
10:51
